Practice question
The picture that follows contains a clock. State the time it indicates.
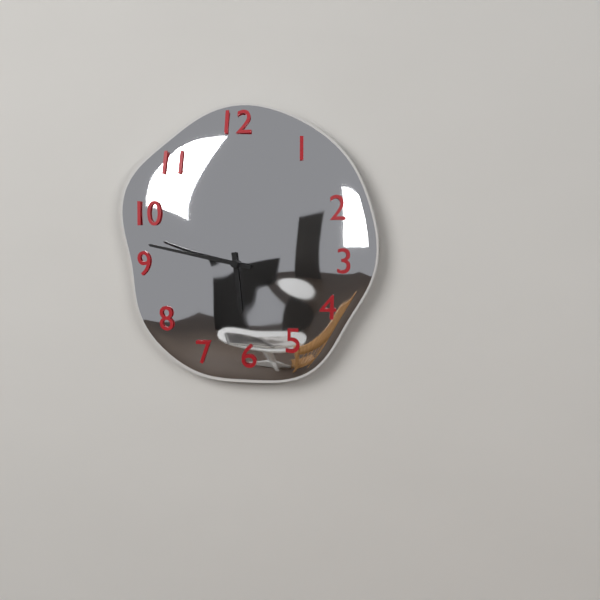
5:47
